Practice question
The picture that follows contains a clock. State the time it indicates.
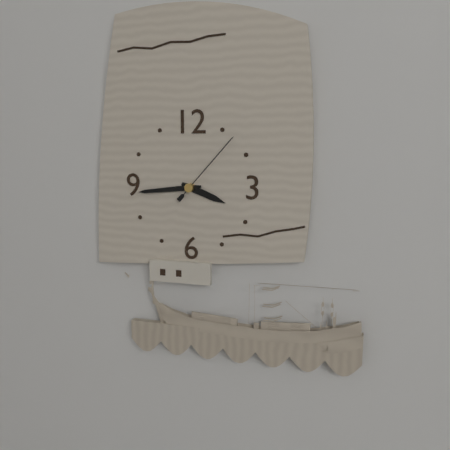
3:44:07
